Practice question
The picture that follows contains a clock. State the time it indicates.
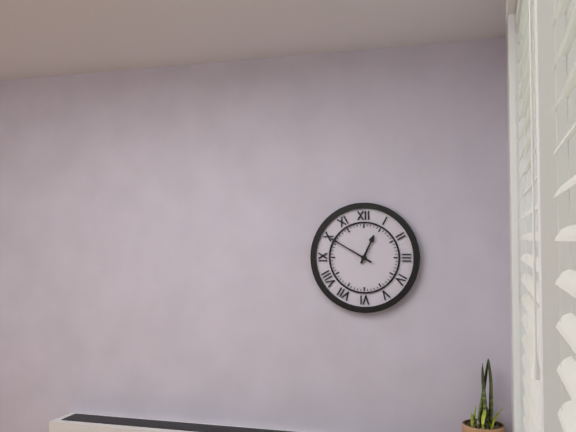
12:50
